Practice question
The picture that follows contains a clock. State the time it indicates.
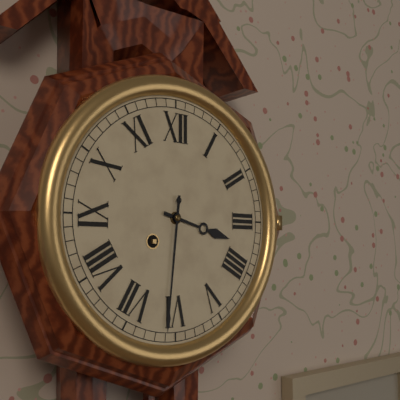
3:31
